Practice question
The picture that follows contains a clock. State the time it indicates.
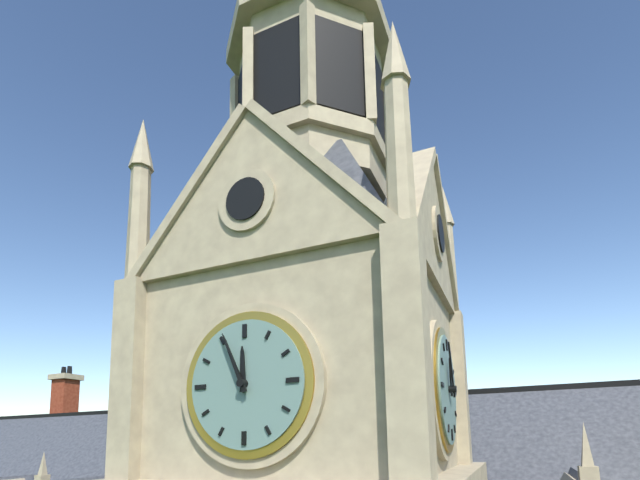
11:56
